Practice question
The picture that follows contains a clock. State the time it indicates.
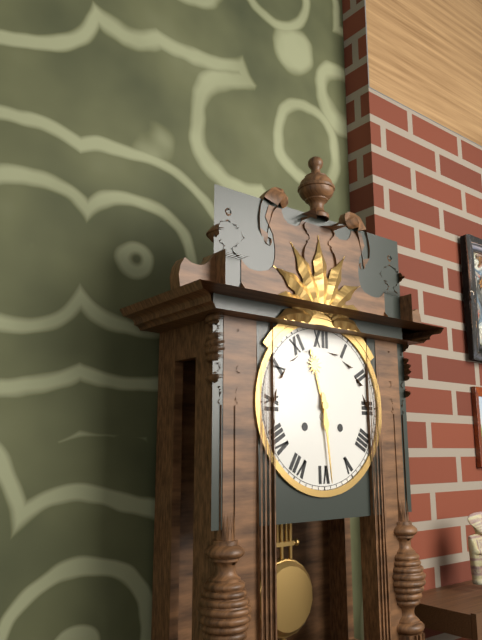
11:29
